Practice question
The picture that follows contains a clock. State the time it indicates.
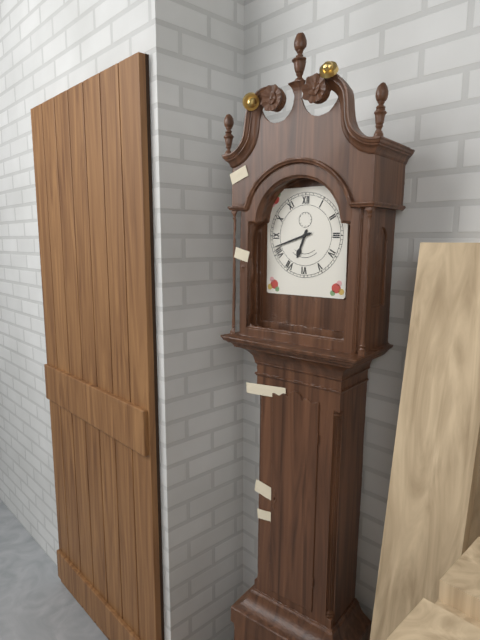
6:42
